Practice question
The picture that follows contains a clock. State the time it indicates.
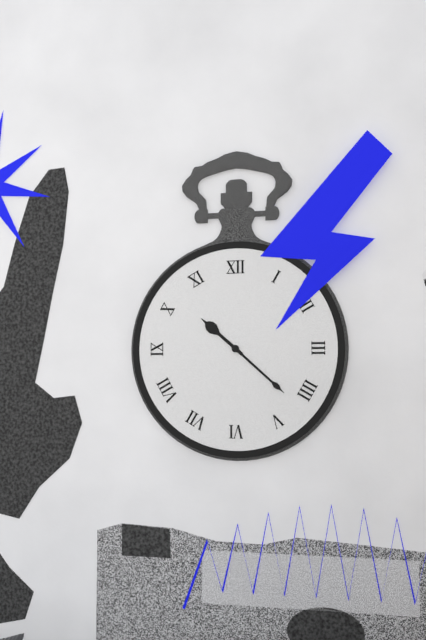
10:22
